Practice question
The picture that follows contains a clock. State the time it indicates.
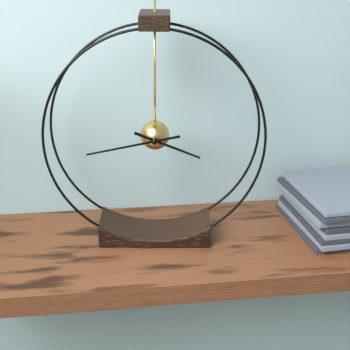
3:43
